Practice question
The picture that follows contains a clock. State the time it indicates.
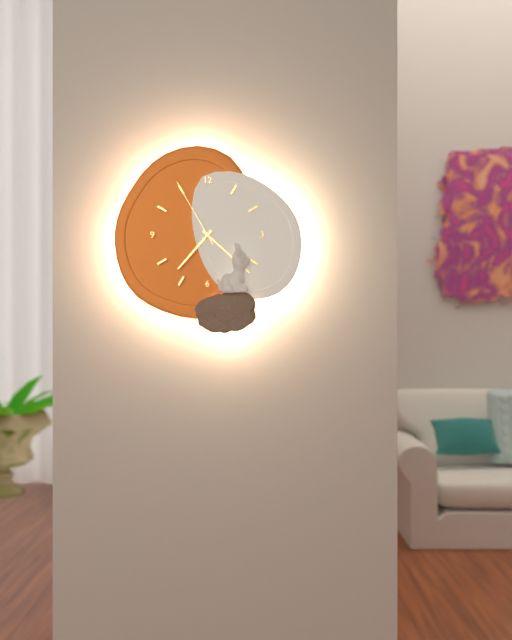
7:22:55
